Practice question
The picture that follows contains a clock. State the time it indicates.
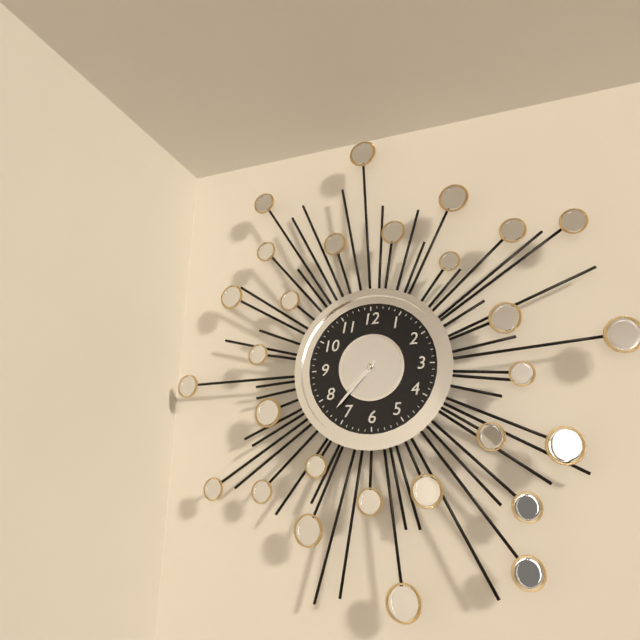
7:37
